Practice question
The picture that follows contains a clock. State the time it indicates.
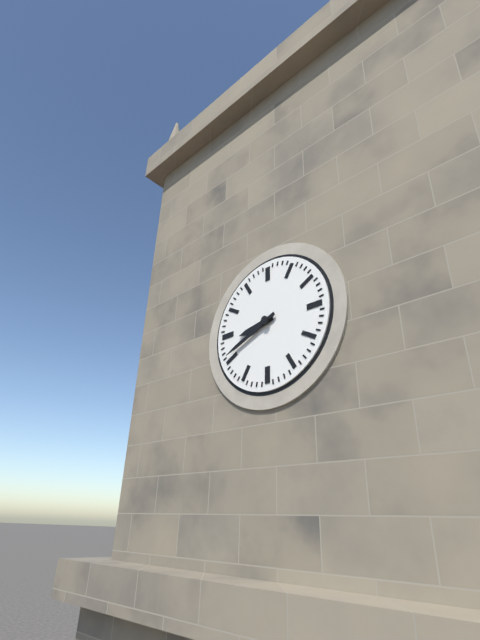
8:41
